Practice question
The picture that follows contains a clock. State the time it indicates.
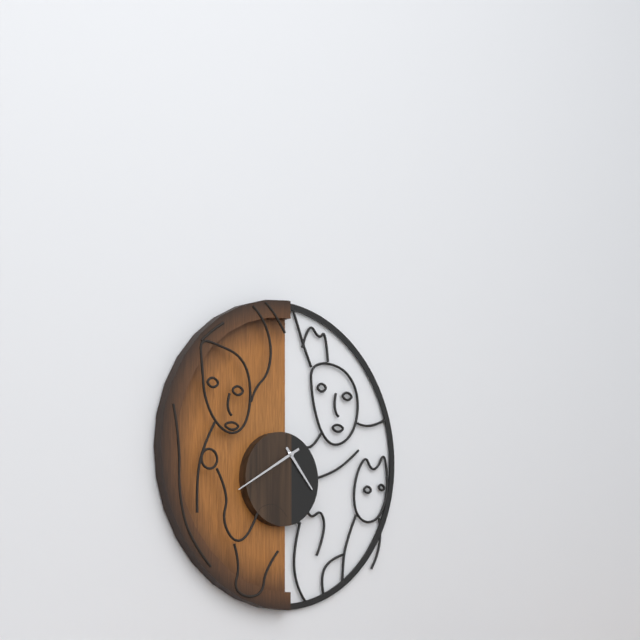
4:40
